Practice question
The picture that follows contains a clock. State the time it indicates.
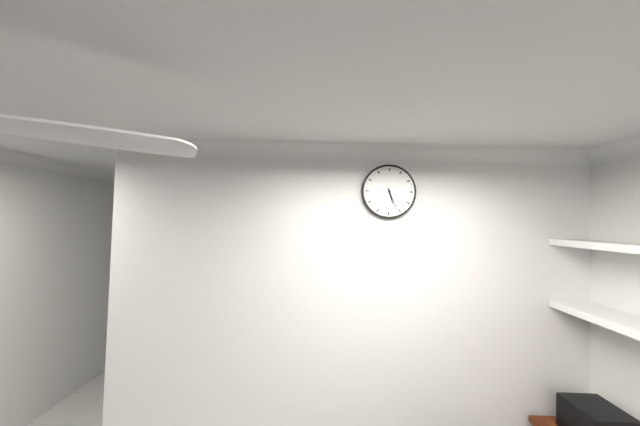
5:26
